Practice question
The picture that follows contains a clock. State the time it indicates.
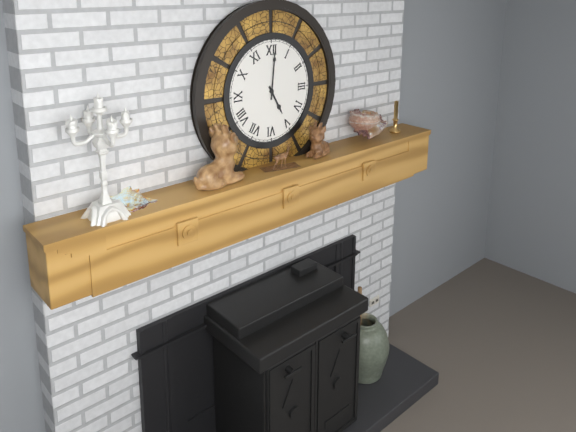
5:01
